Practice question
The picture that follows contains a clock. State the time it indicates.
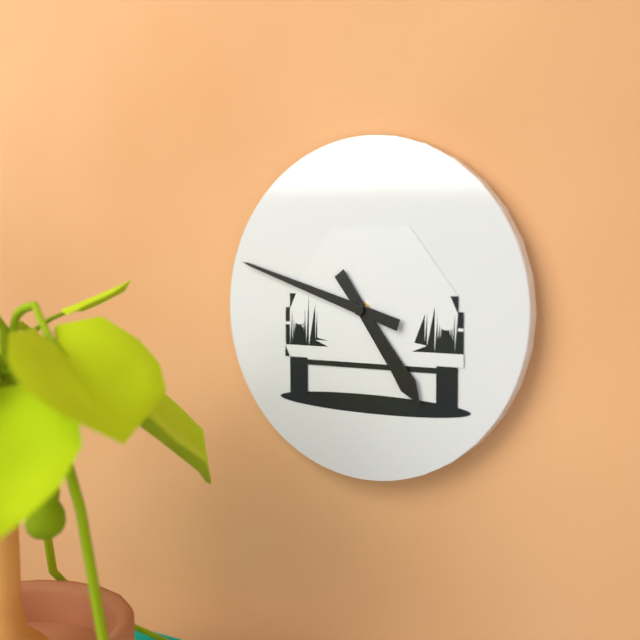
4:48
